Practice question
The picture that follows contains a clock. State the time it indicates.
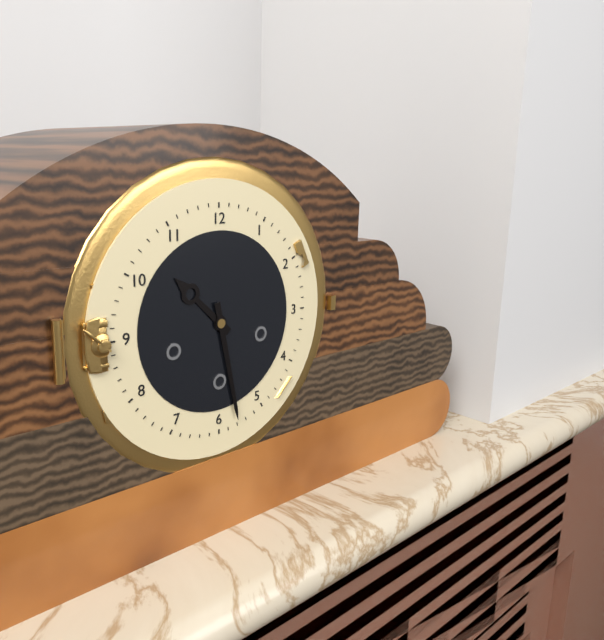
10:28
